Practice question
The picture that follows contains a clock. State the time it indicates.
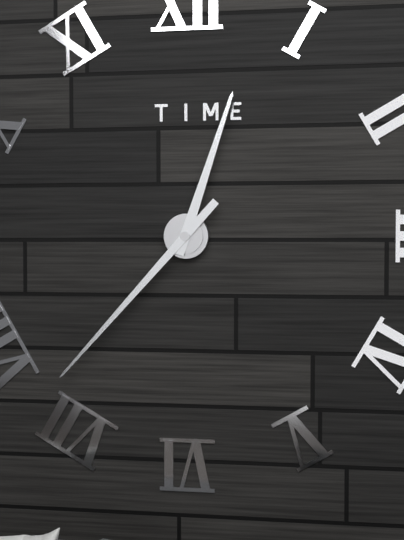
12:37
